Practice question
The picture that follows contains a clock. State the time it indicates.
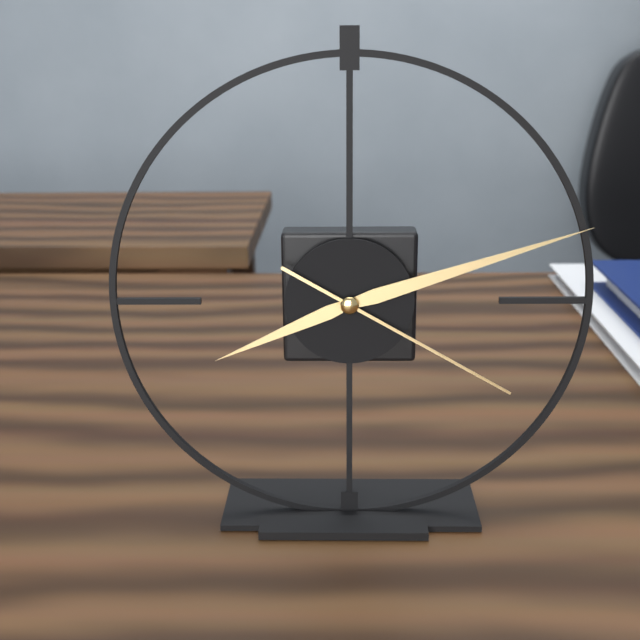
8:12:20
